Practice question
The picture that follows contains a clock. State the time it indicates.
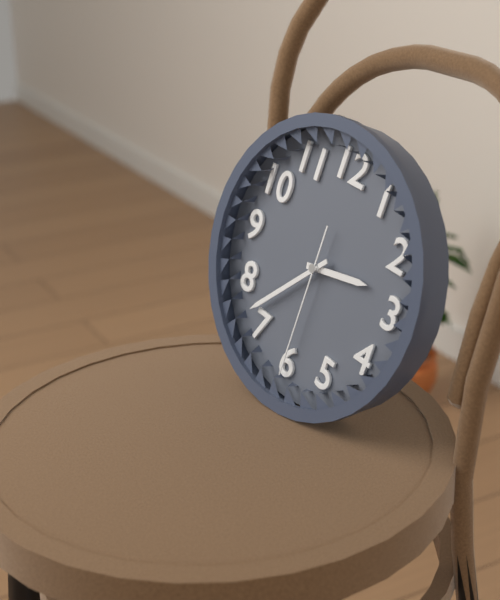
2:37:30
